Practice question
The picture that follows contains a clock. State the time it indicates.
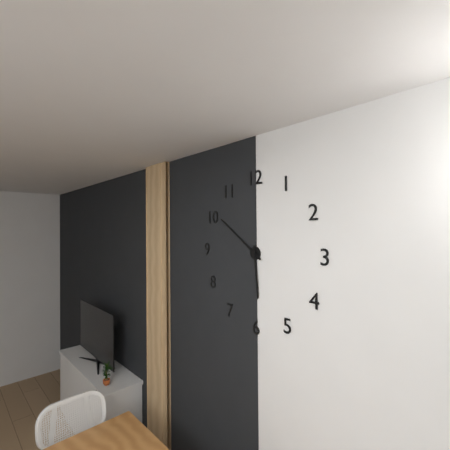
5:51
